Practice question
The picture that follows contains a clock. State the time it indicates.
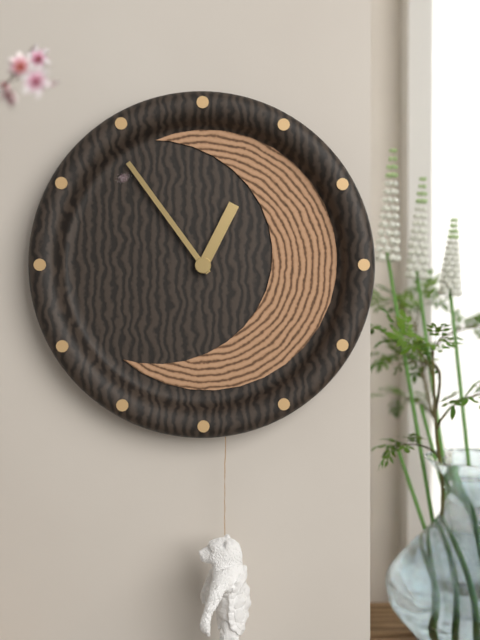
12:54
